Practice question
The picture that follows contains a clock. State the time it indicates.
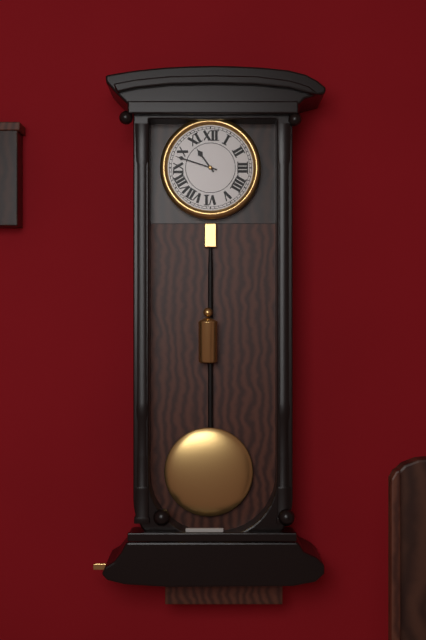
10:48
